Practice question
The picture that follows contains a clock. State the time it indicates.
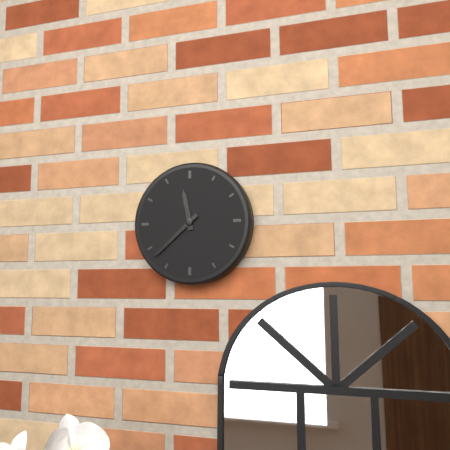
11:38
